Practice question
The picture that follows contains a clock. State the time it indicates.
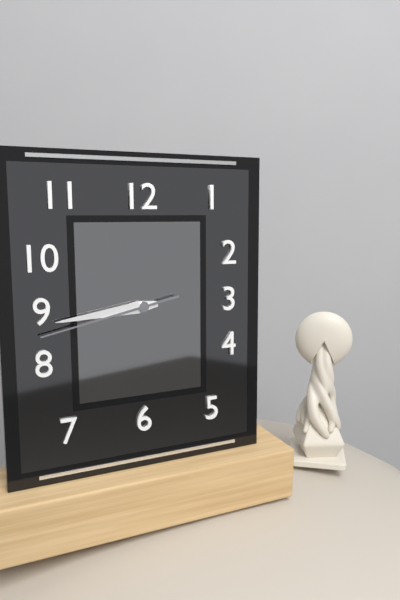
8:44:43
